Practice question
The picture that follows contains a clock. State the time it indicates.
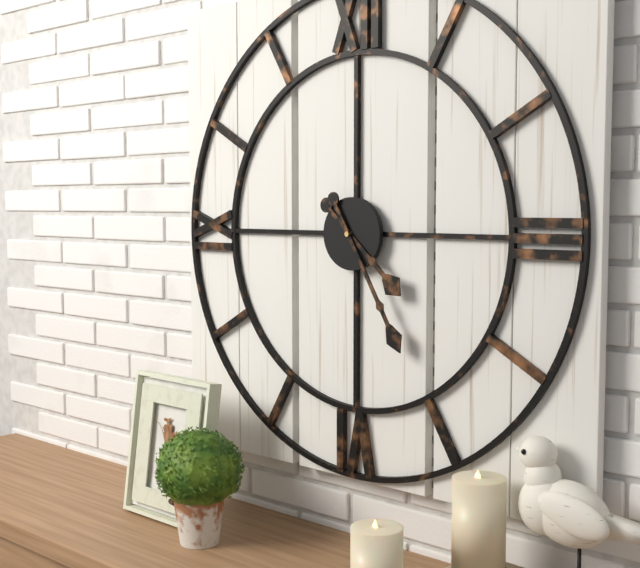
4:25
